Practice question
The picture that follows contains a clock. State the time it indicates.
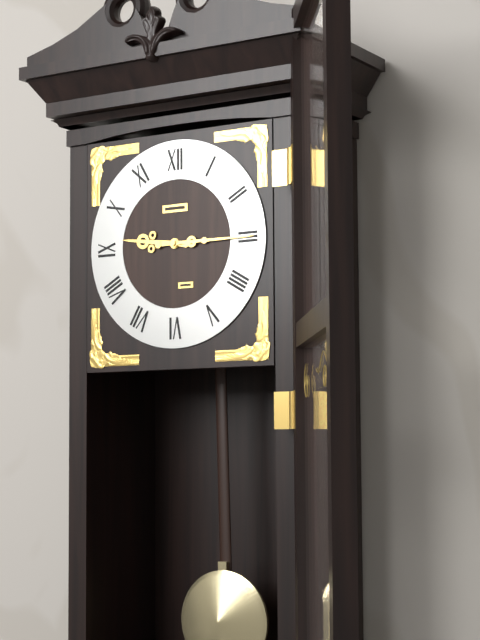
9:15
